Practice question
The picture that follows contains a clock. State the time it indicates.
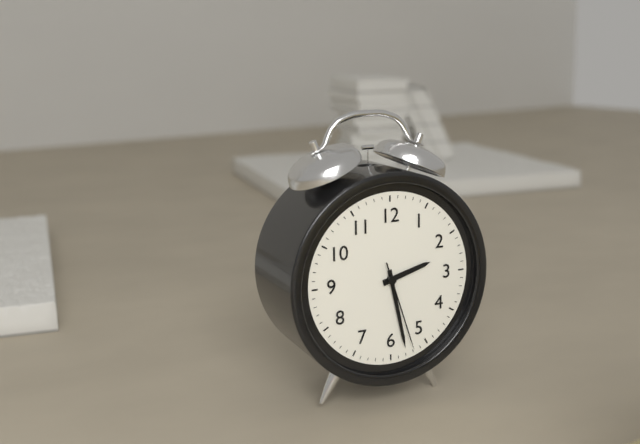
2:28:27
